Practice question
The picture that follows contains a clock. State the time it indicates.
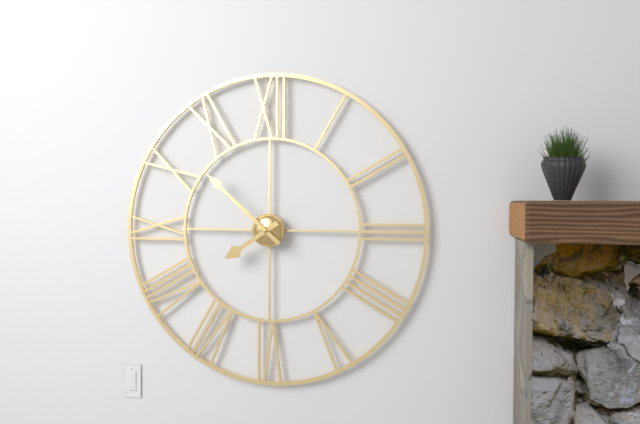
7:52
